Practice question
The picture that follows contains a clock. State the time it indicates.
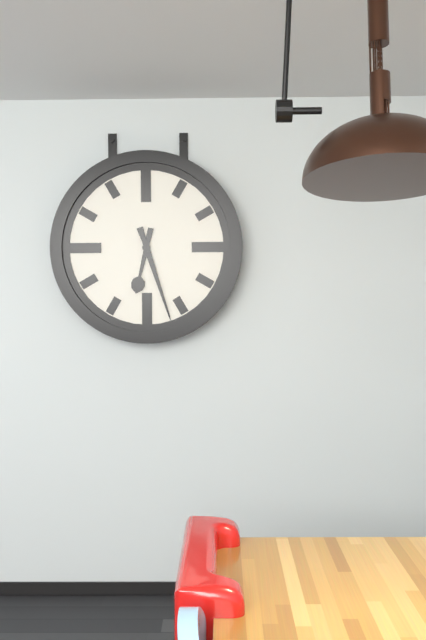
6:27
